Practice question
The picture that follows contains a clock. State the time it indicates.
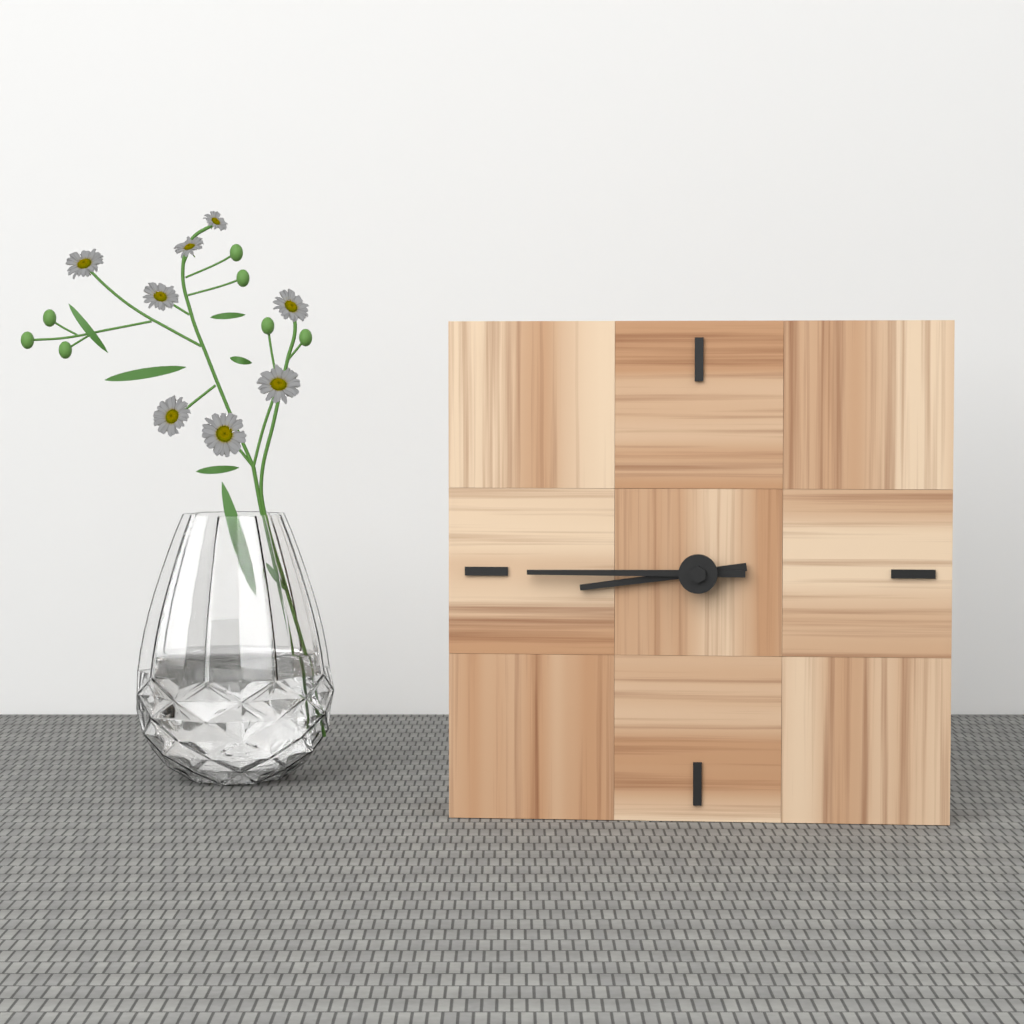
8:45
